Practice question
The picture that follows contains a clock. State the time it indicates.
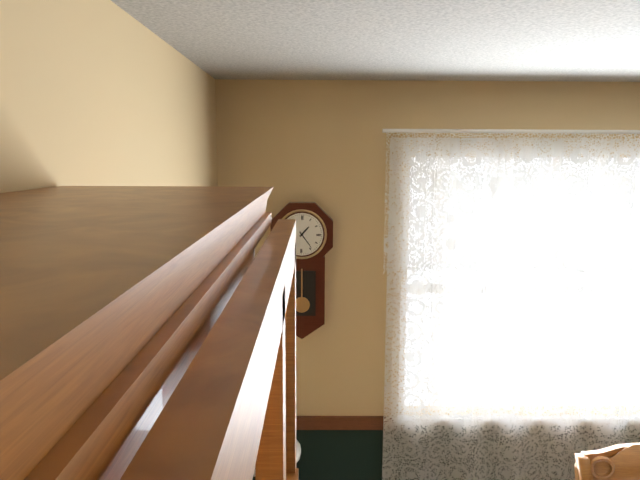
1:24
